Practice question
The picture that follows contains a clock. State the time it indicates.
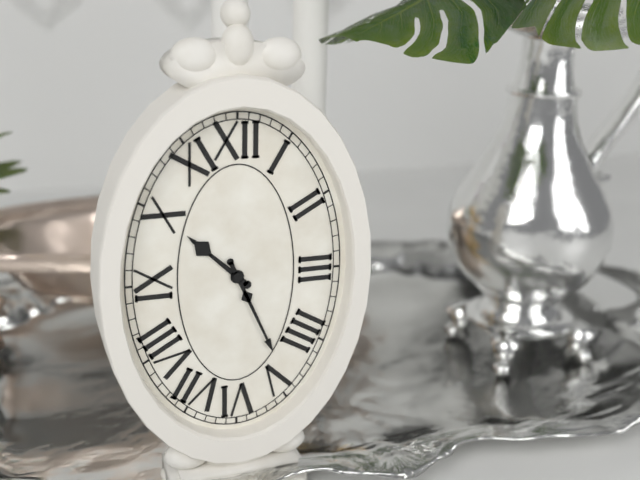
10:26
